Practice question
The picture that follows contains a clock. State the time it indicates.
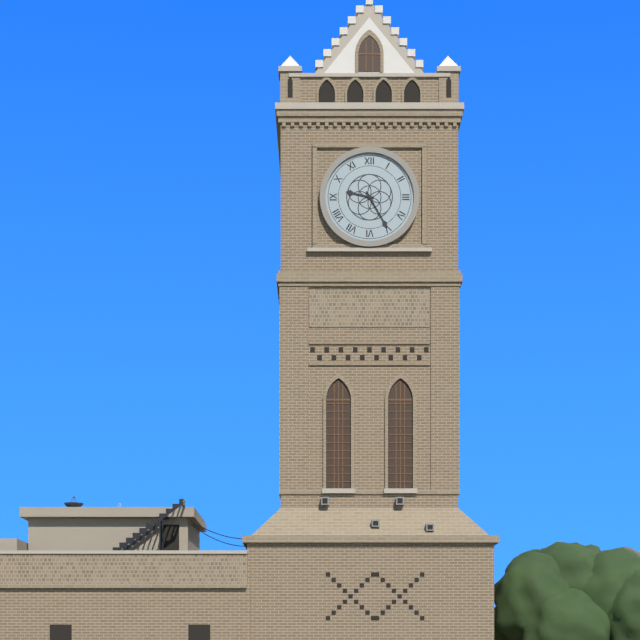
9:25
